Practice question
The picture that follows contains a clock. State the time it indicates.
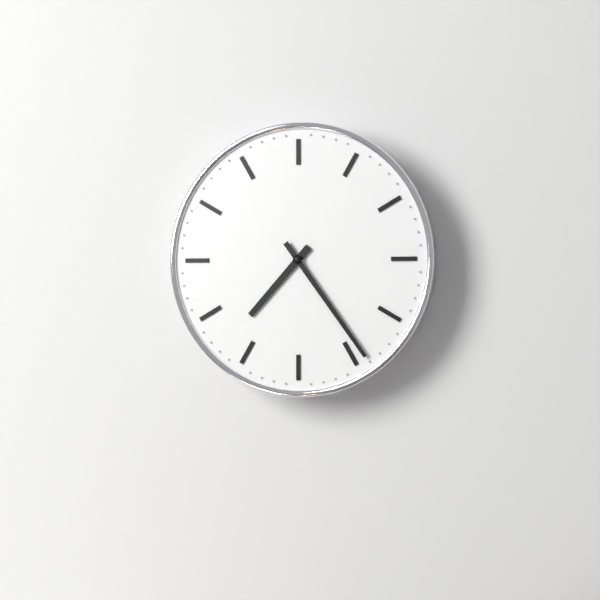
7:24
